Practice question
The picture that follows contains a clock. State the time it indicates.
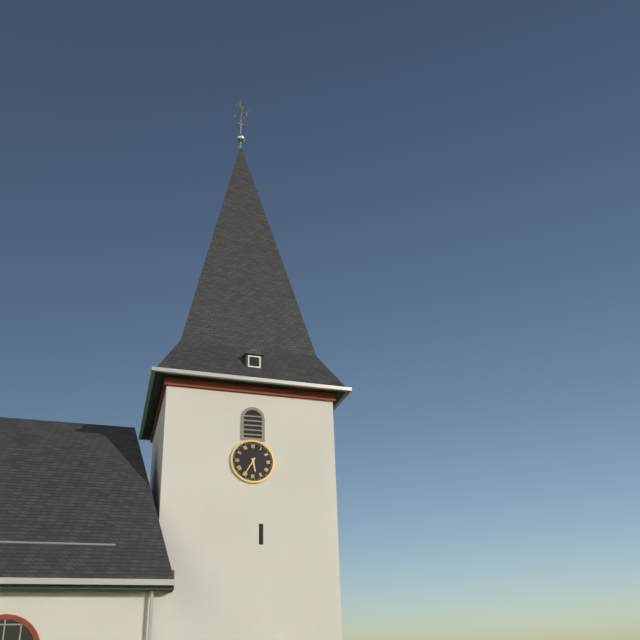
5:35
